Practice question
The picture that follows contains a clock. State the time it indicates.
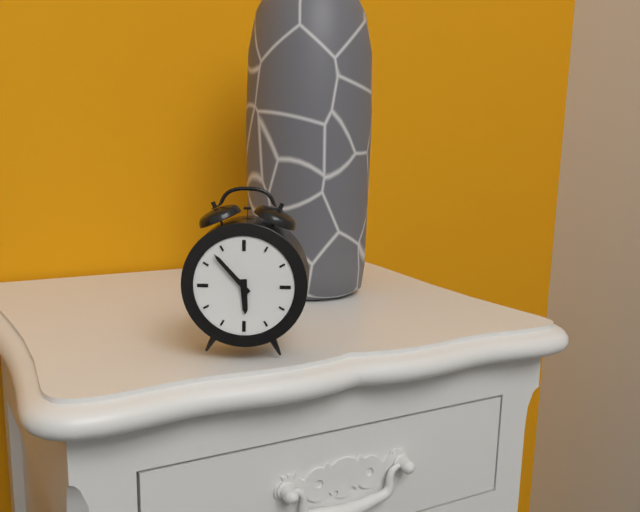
5:53
